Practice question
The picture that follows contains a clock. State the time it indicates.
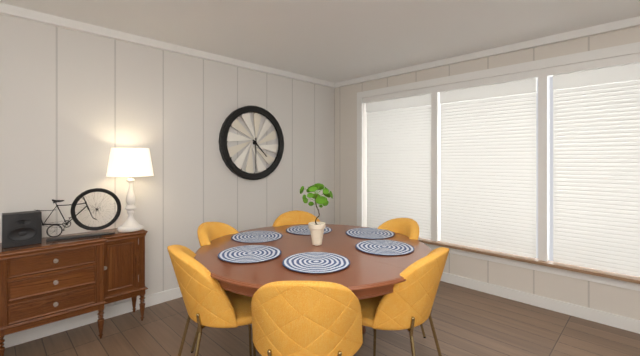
4:30
